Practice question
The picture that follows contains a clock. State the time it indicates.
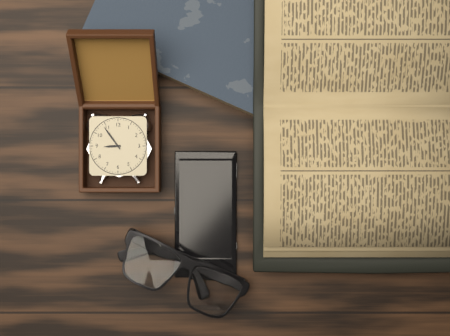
8:54
